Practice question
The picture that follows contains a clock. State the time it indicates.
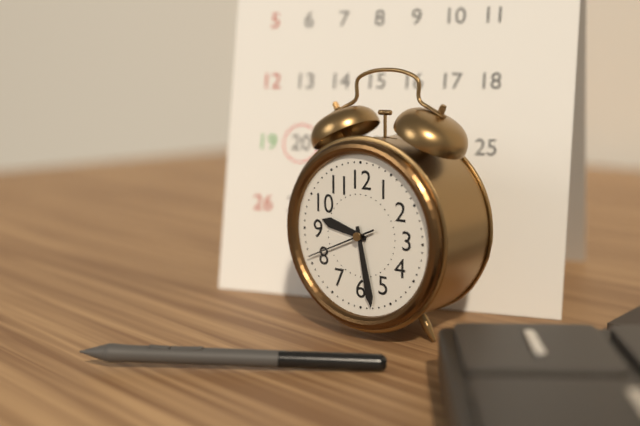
9:28:41
